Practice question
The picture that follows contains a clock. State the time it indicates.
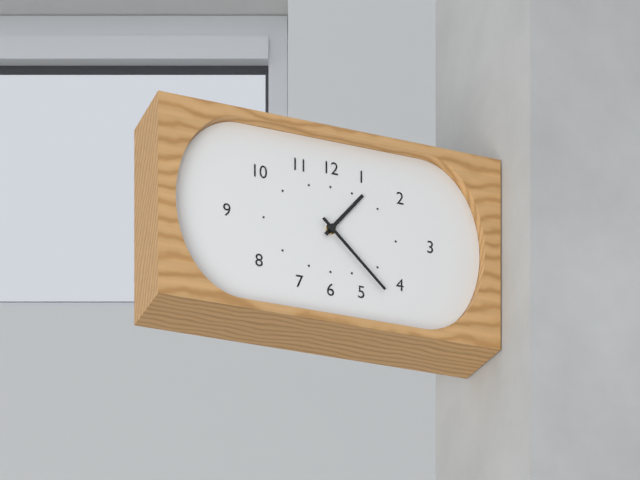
1:22
